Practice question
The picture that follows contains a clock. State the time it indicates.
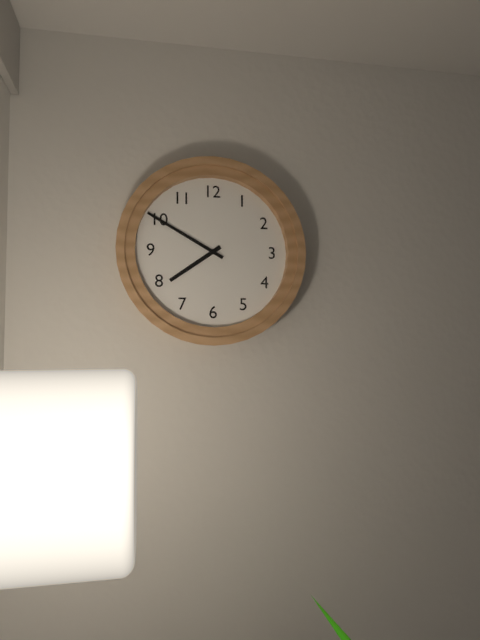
7:50
